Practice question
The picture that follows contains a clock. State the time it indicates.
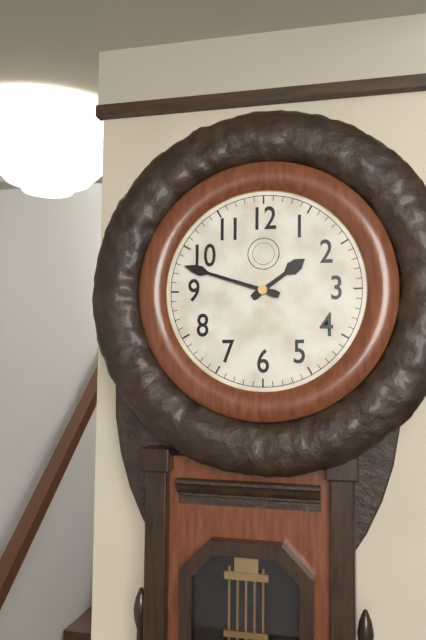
1:48
